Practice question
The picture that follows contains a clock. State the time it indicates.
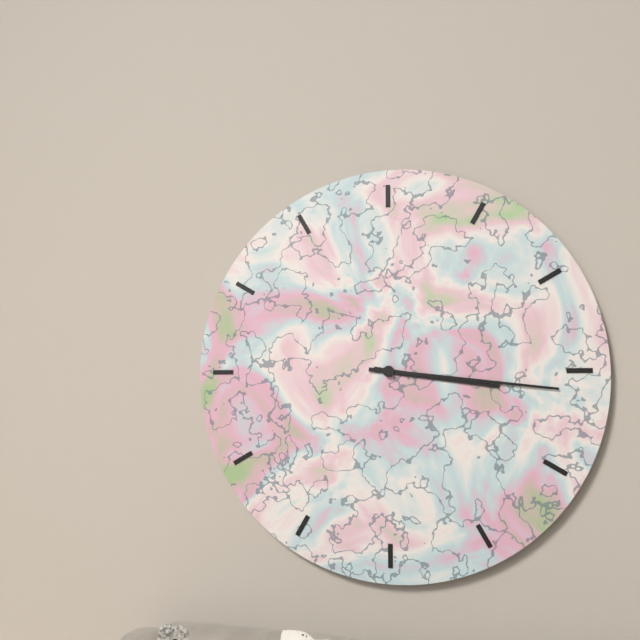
3:16
